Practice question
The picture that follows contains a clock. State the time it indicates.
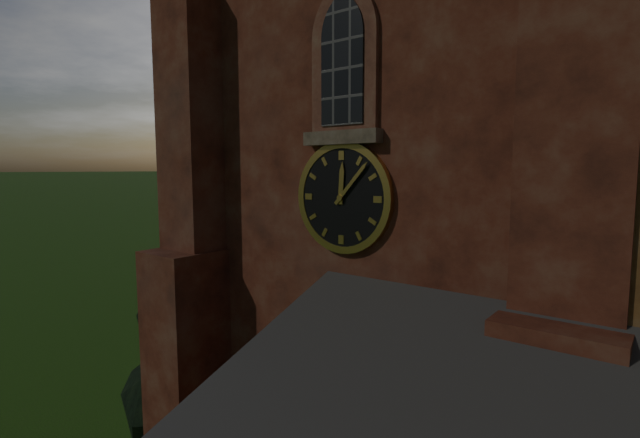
12:07
